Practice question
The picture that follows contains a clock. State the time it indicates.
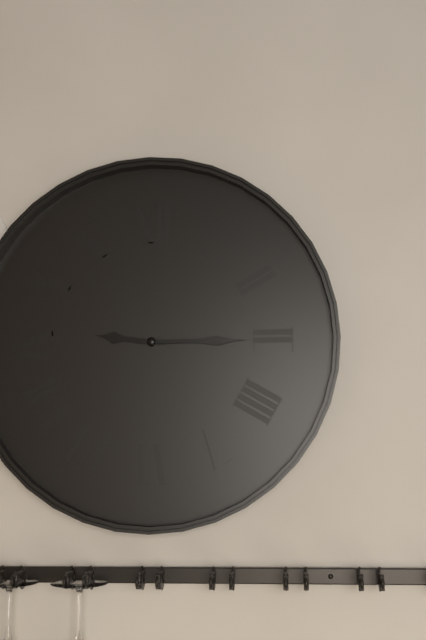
9:15
